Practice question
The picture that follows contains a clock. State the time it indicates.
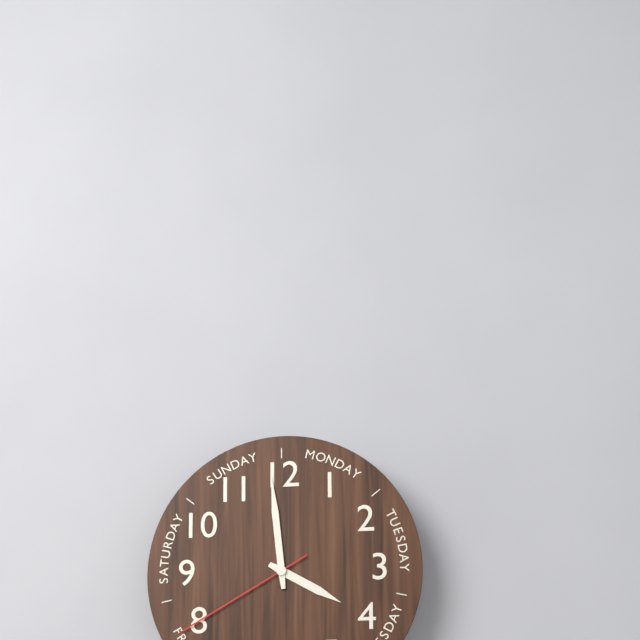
3:59:40
